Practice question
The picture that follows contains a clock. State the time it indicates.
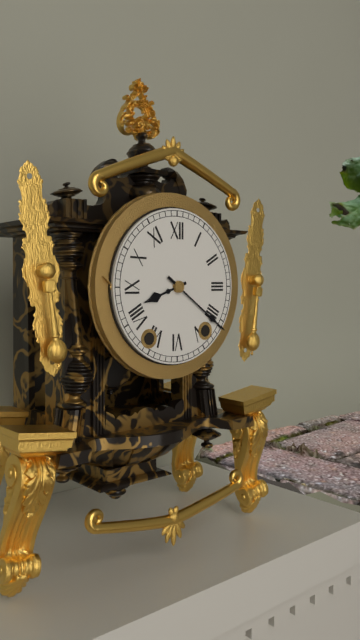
8:21
